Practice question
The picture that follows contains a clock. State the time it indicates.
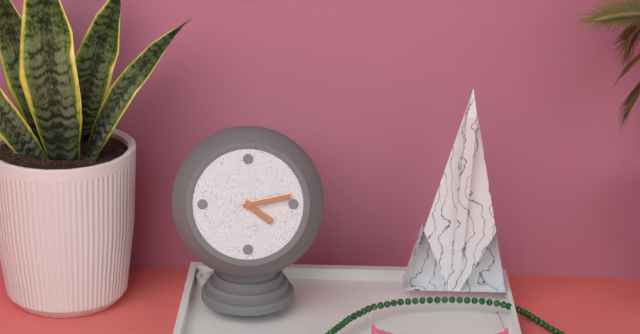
4:13
